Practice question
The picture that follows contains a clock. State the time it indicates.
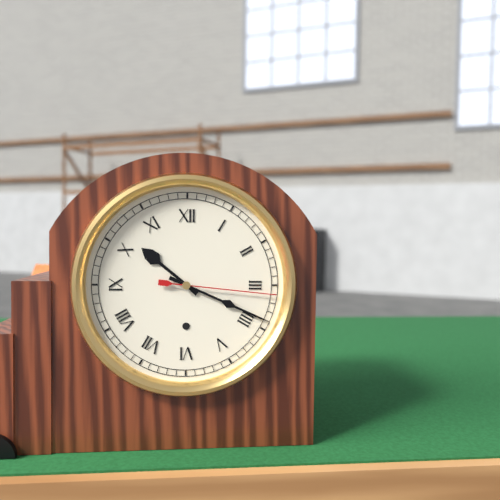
10:19:16
